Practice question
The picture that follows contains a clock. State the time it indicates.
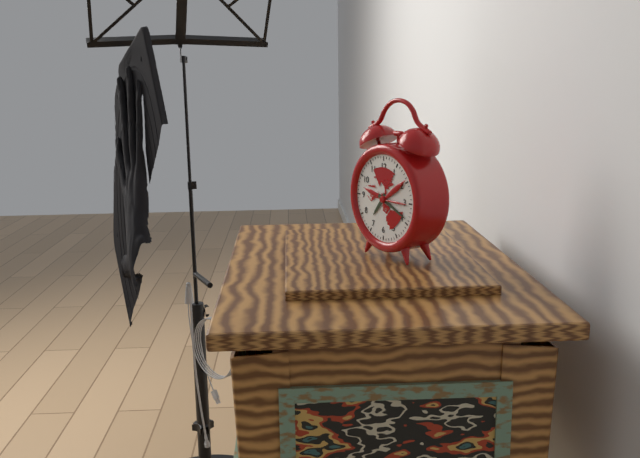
7:19
